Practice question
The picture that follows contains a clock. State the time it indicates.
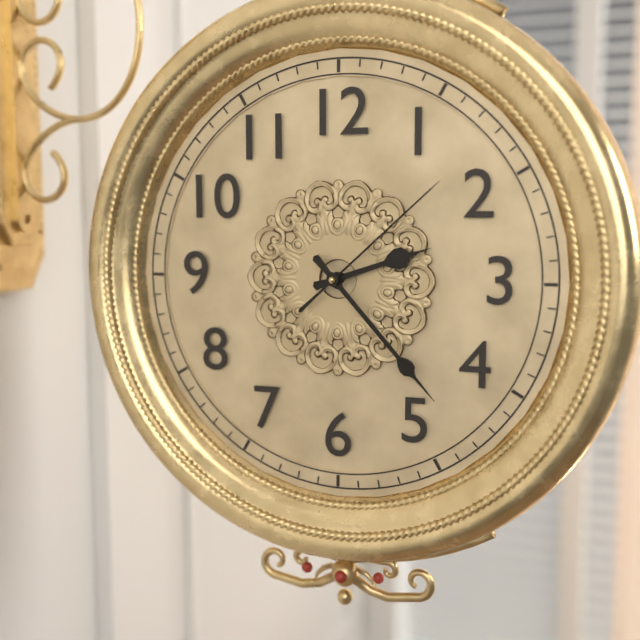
2:23:08
